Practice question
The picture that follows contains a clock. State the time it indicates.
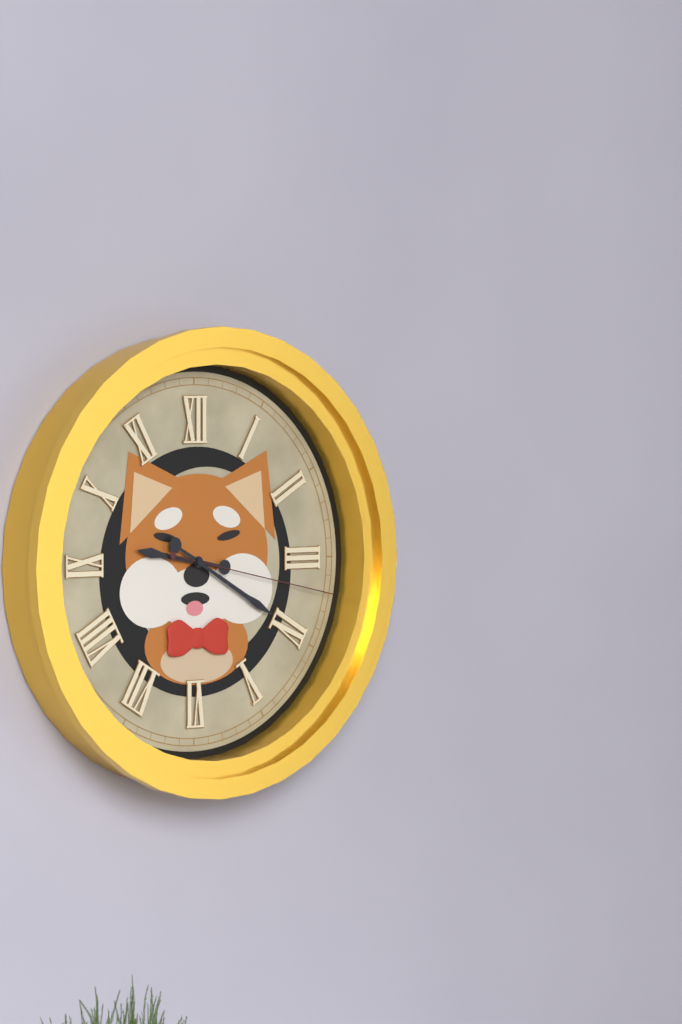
9:20:17
